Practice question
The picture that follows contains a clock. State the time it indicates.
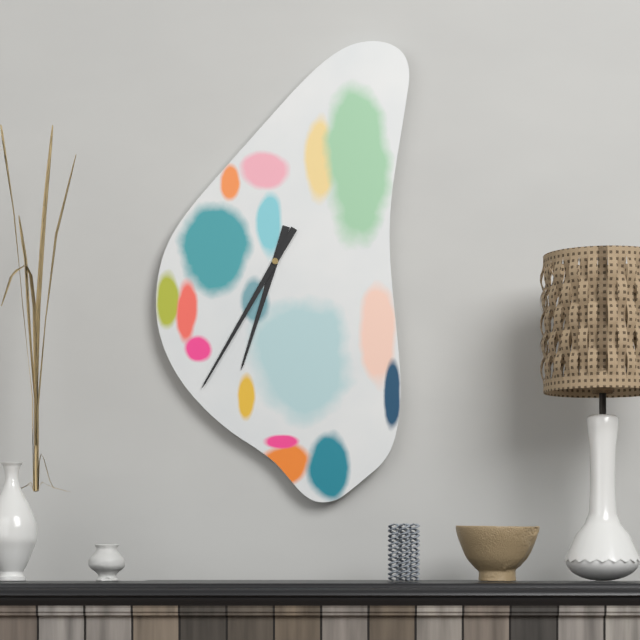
6:35
